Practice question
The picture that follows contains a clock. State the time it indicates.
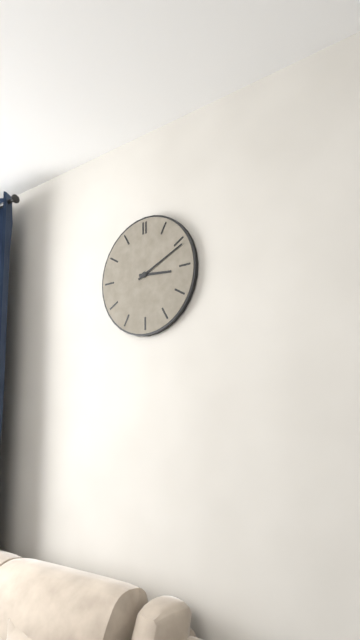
3:11
